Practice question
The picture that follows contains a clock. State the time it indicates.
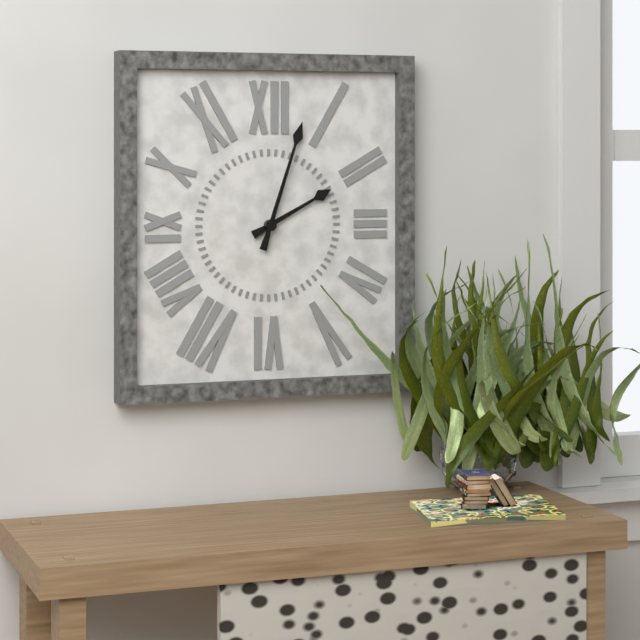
2:03
